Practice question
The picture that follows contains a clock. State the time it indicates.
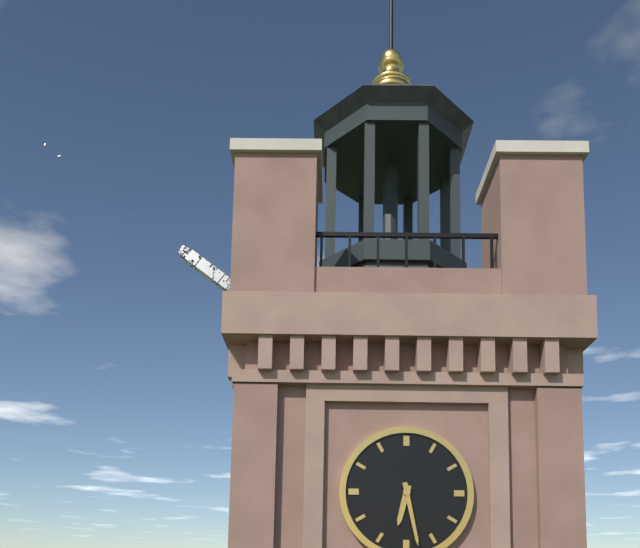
6:28
